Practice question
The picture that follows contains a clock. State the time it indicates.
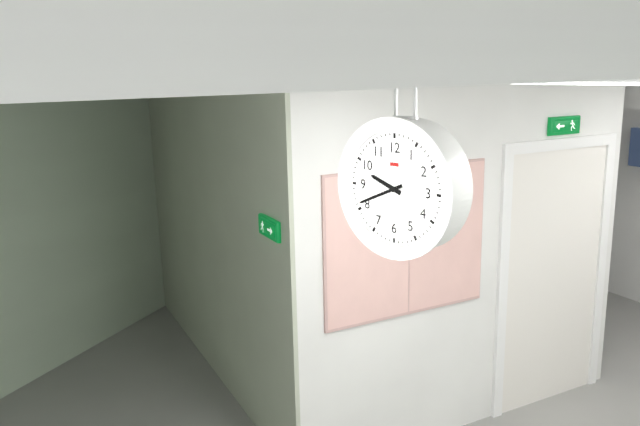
9:41
